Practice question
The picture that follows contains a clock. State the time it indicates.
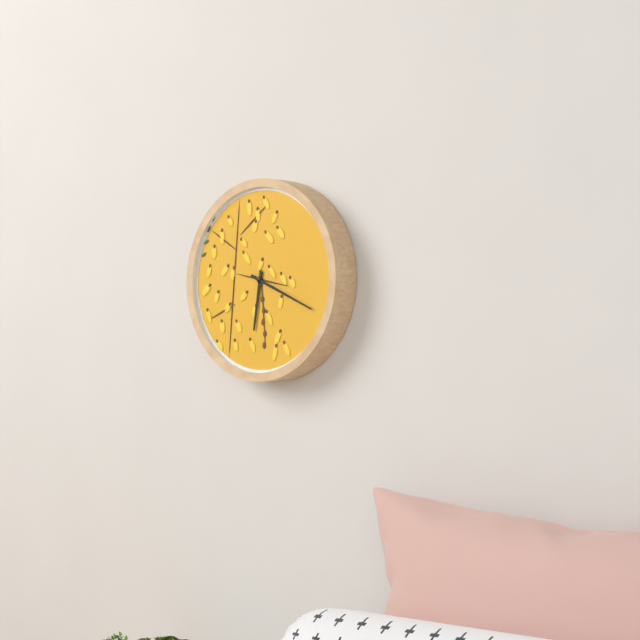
6:19
